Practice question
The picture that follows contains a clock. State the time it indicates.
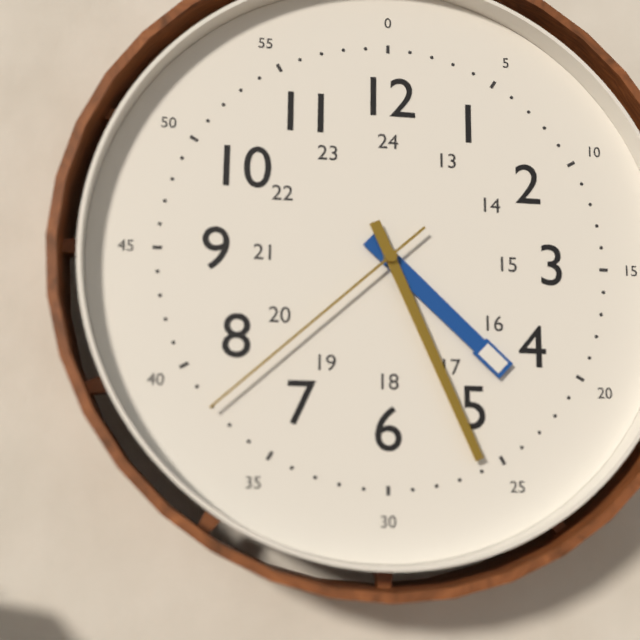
4:26:38
